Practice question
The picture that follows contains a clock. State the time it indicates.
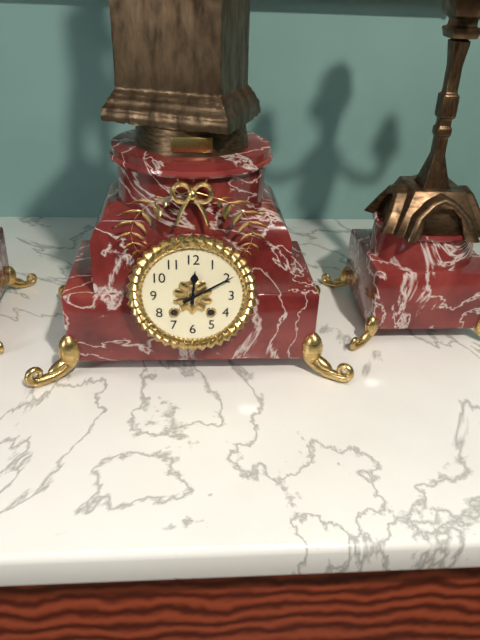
12:10
